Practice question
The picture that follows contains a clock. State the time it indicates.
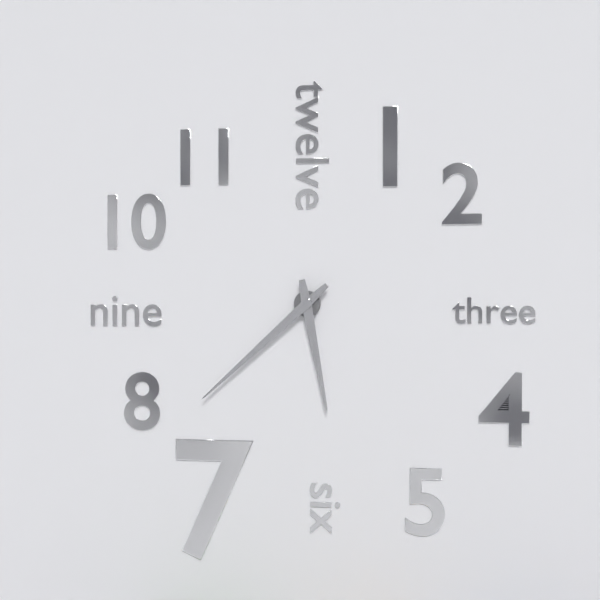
5:38
